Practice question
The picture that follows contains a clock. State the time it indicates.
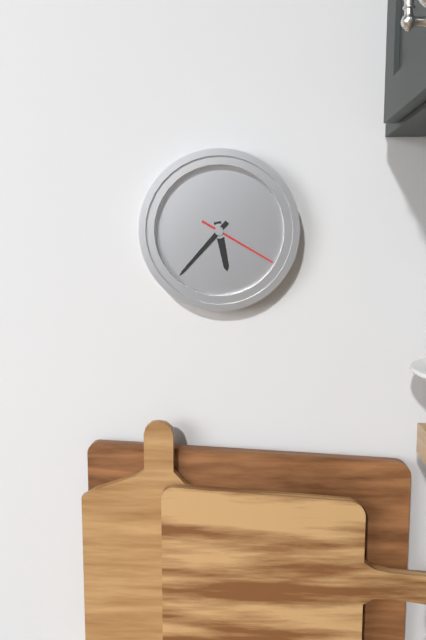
5:37:20
